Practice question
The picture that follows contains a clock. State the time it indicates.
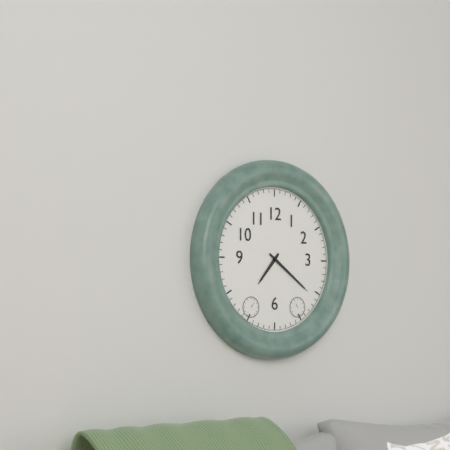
7:21
